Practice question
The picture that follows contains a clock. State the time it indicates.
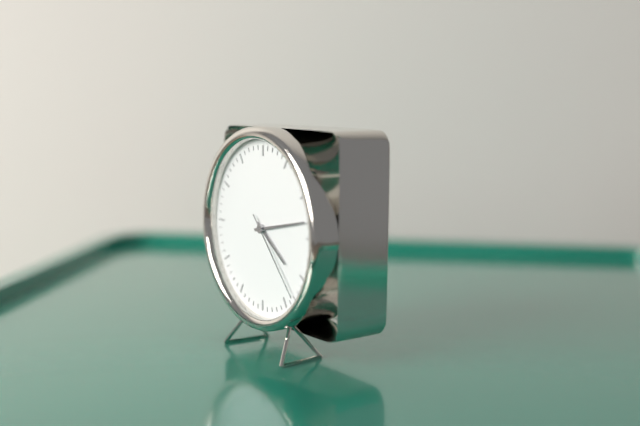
4:13:23
